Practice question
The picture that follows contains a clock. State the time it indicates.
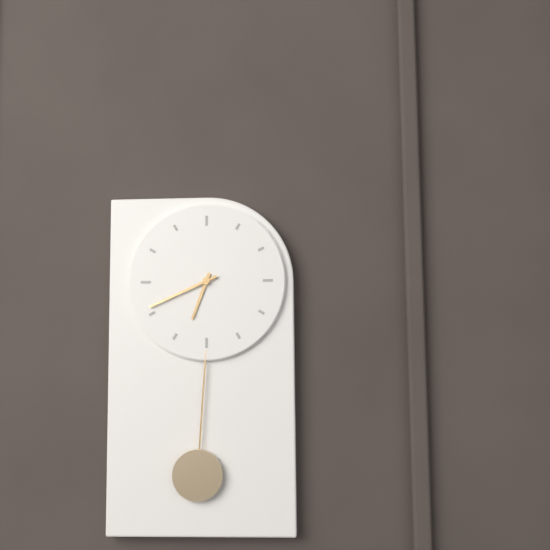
6:41
